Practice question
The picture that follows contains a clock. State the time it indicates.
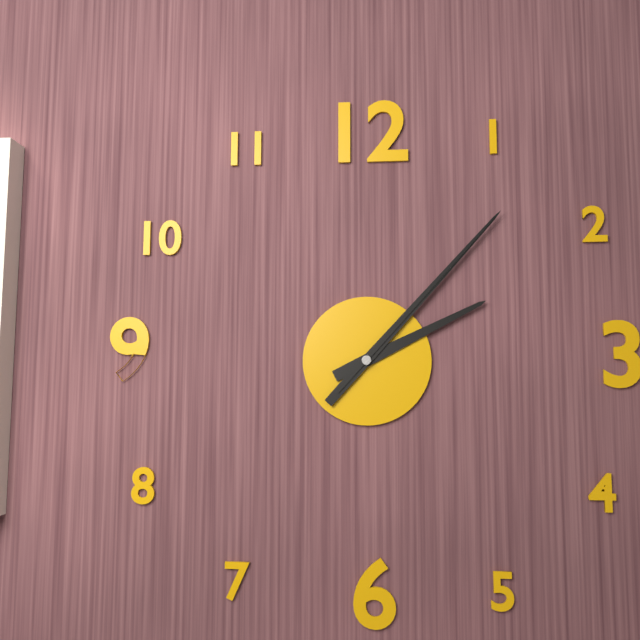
2:07:07
